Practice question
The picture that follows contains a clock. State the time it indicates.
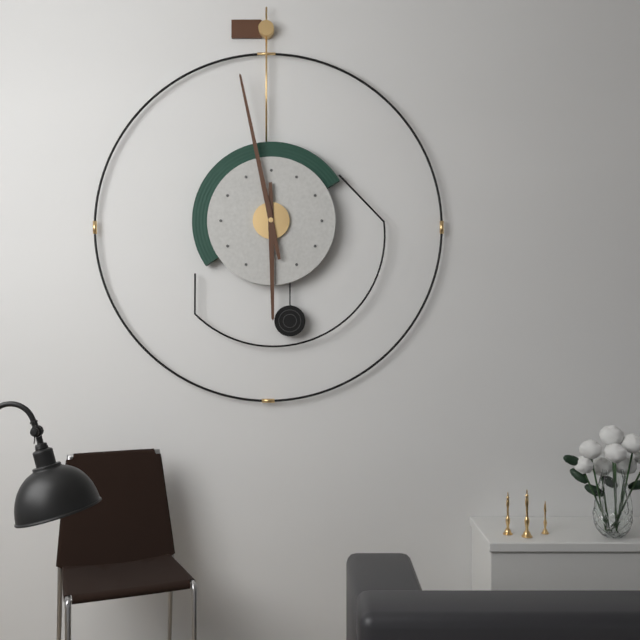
5:58
